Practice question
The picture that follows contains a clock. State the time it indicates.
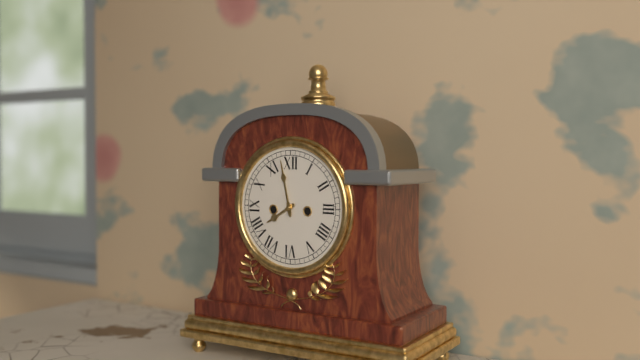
7:58
